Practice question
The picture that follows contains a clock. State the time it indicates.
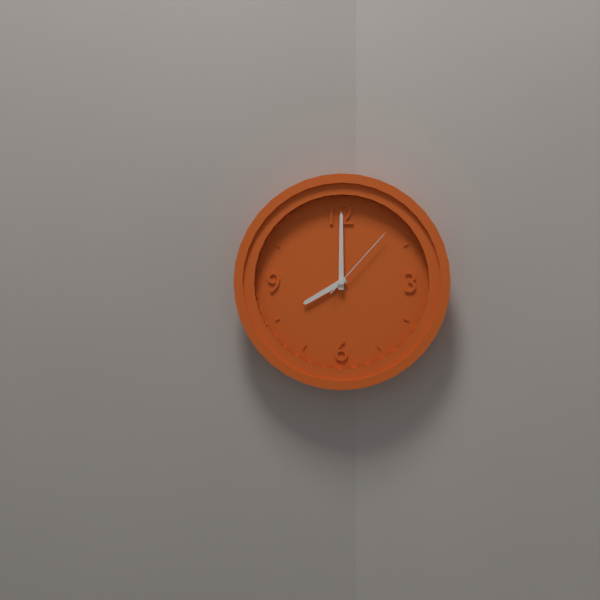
8:00:07
